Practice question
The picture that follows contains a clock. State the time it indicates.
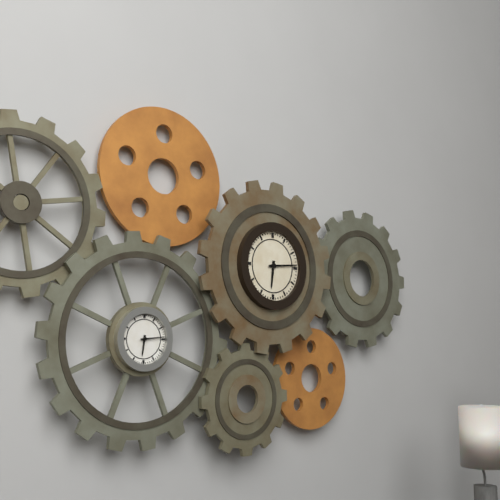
6:14
